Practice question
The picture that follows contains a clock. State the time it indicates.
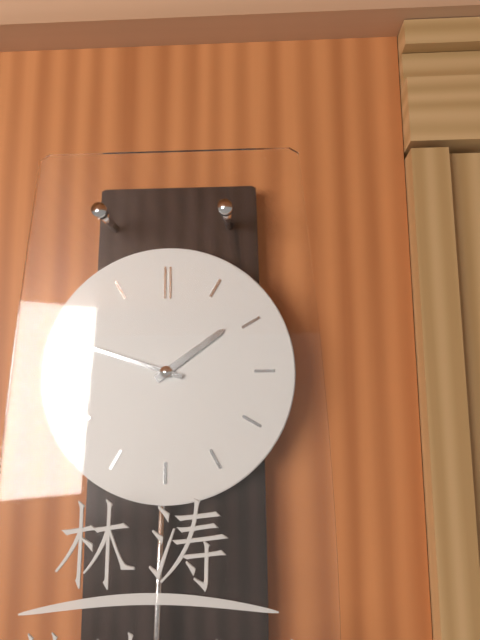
1:48
